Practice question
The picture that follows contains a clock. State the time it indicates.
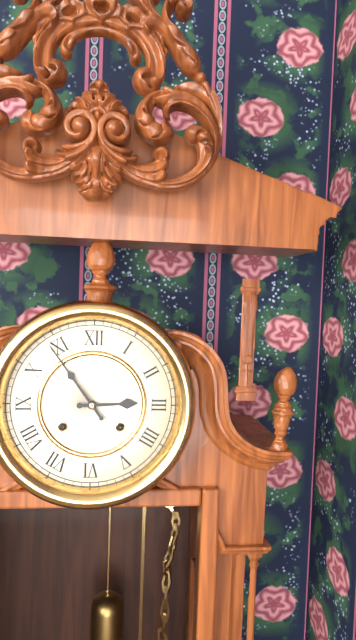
2:54
